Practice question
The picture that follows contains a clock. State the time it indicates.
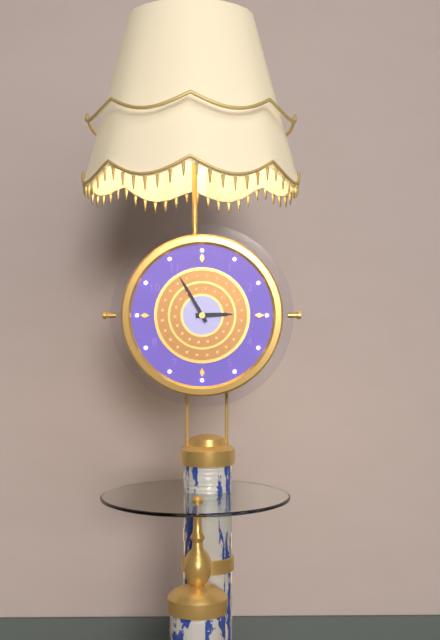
2:55
